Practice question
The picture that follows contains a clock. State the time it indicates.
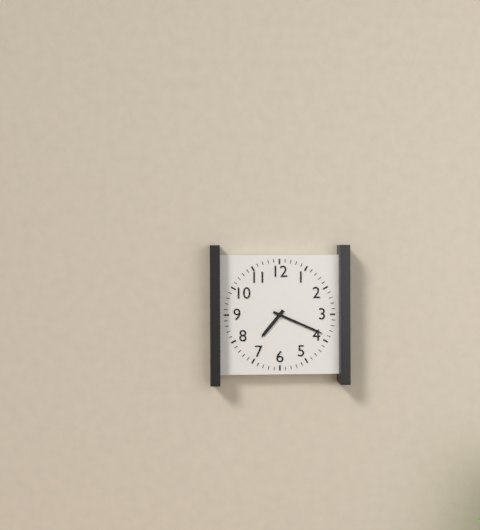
7:19
